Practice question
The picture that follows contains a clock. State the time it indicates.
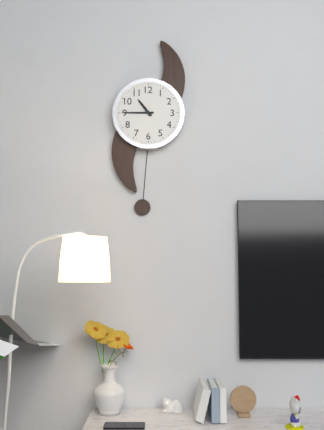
10:45
